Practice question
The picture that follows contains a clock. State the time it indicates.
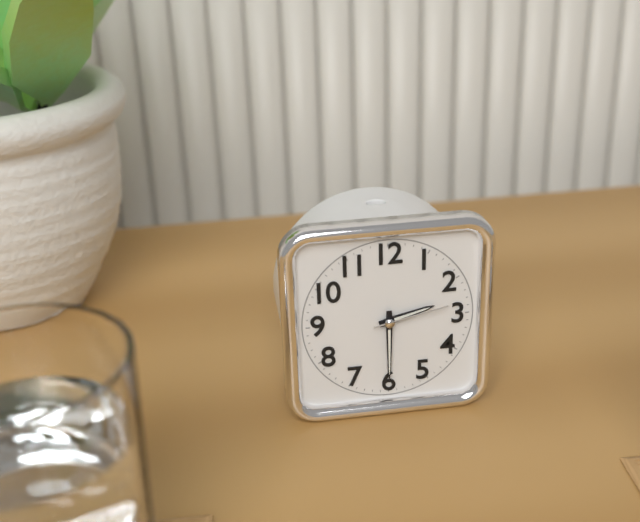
2:30:13
